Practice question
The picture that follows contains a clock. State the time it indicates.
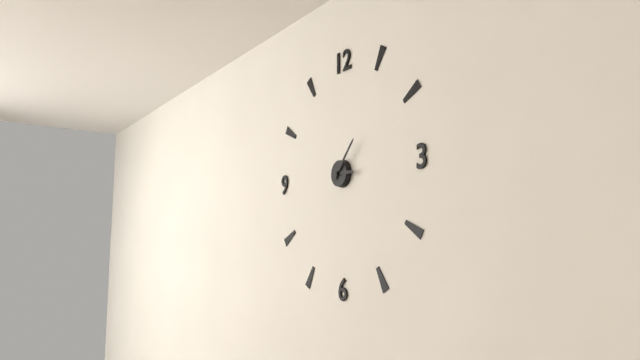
3:07
